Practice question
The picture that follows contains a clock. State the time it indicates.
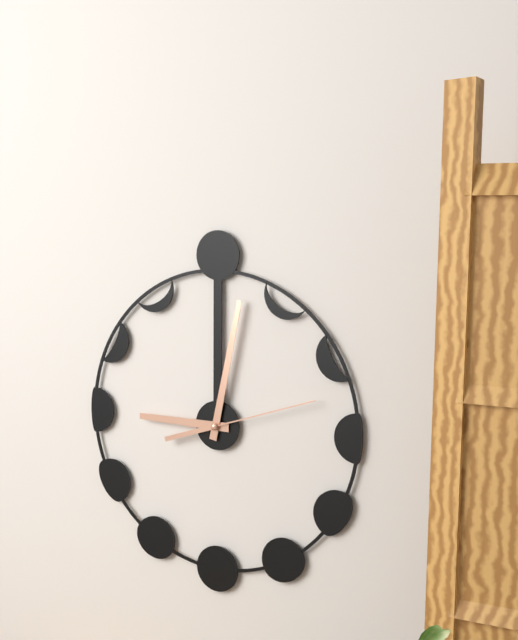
9:02:12
